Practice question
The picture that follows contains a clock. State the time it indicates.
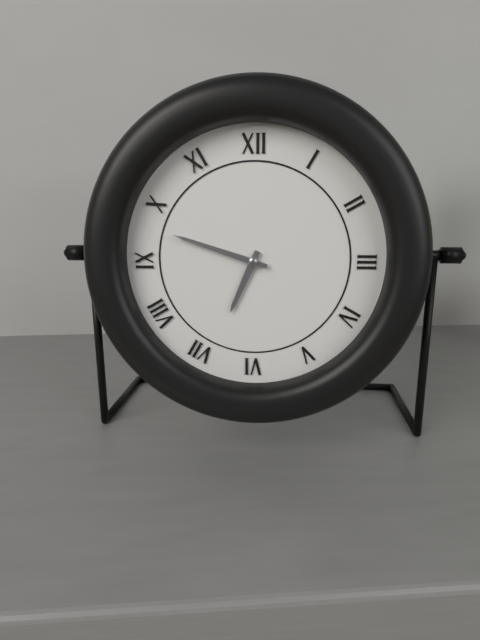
6:48
